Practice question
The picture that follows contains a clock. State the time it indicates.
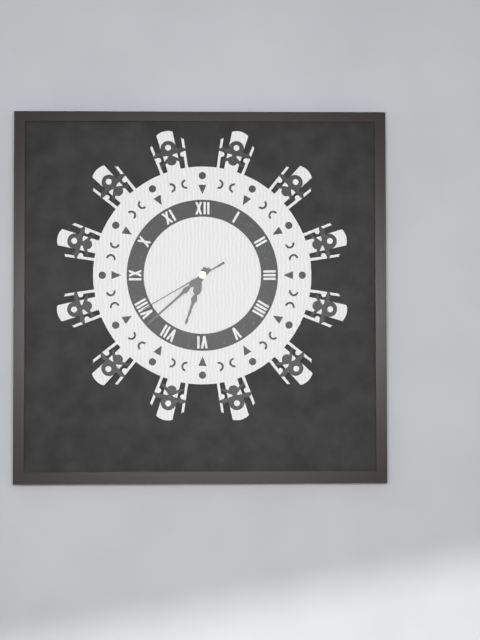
6:38:40
